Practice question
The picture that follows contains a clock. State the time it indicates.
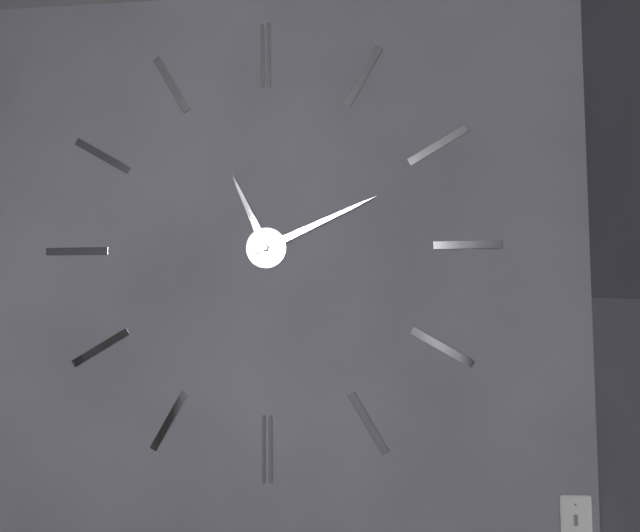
11:11
